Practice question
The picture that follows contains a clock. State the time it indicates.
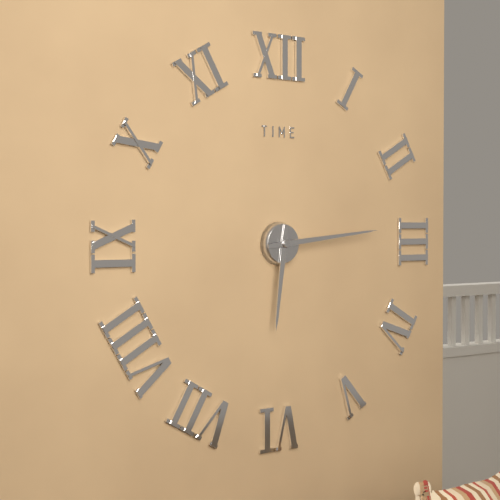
6:14
